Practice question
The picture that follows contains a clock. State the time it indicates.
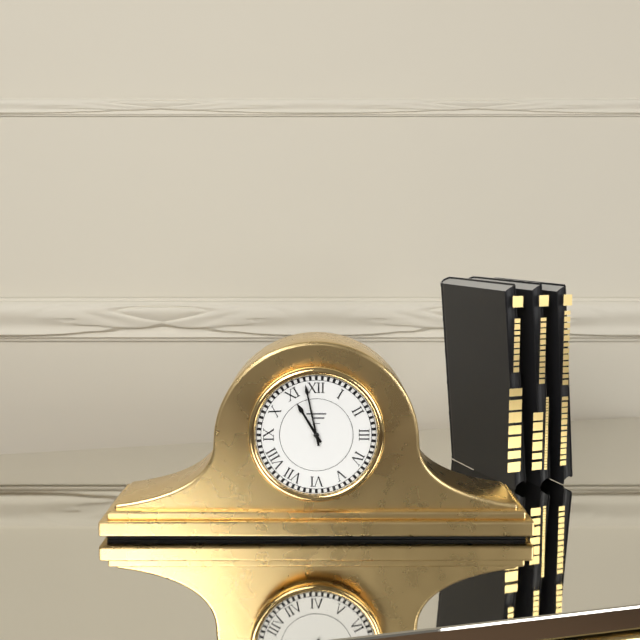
10:58
